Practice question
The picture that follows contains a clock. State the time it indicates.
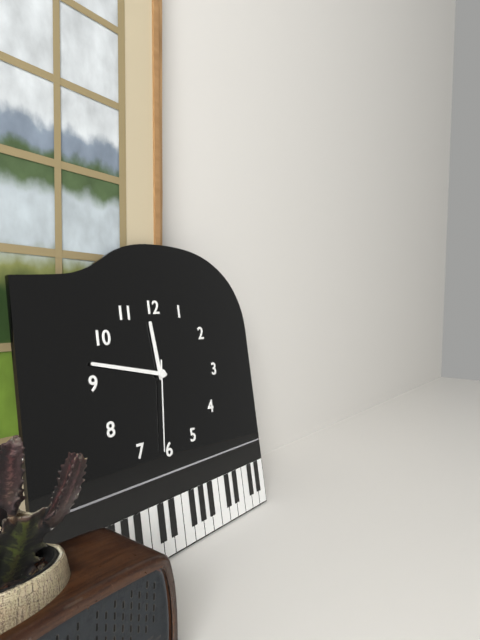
11:47:31
